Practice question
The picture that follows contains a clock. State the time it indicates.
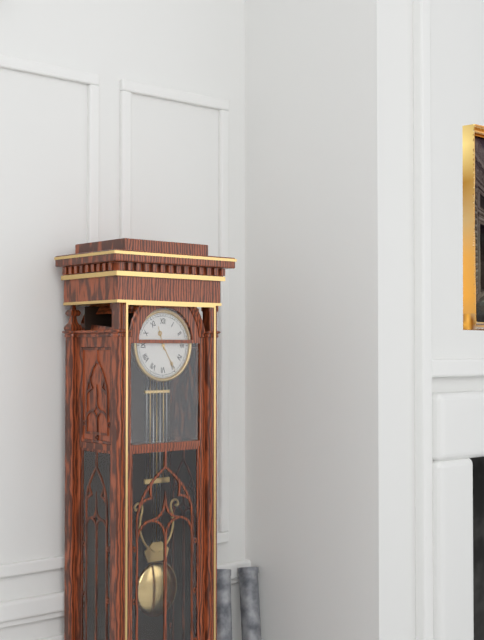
11:25
